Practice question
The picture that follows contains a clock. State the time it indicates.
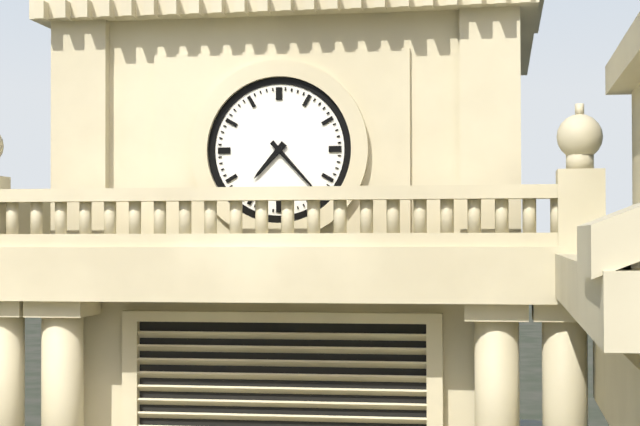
7:23
